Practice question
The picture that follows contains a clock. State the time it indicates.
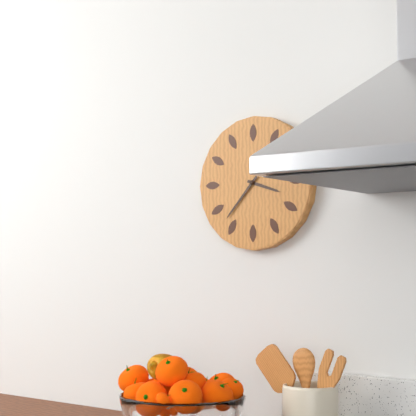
3:37
